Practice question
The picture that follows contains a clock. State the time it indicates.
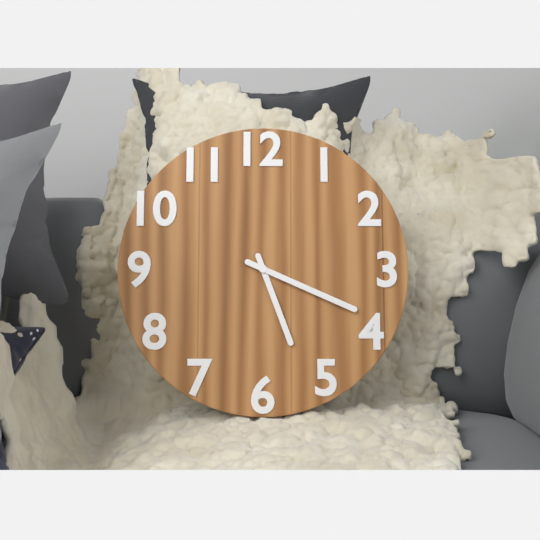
5:19
